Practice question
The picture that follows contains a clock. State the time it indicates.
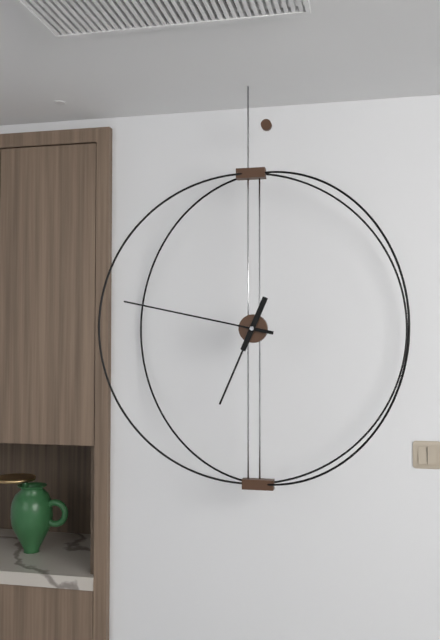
6:47
